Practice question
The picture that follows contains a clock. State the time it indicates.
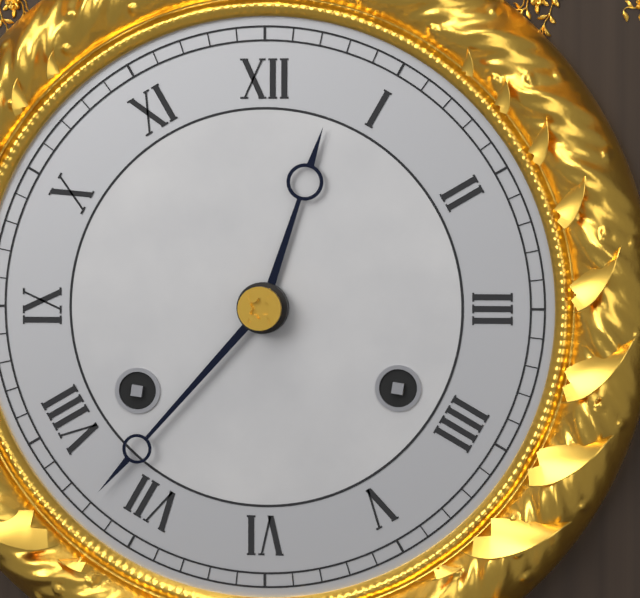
12:37
